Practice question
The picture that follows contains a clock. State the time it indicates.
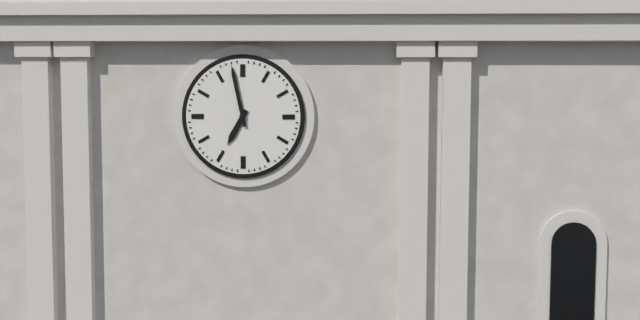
6:58
